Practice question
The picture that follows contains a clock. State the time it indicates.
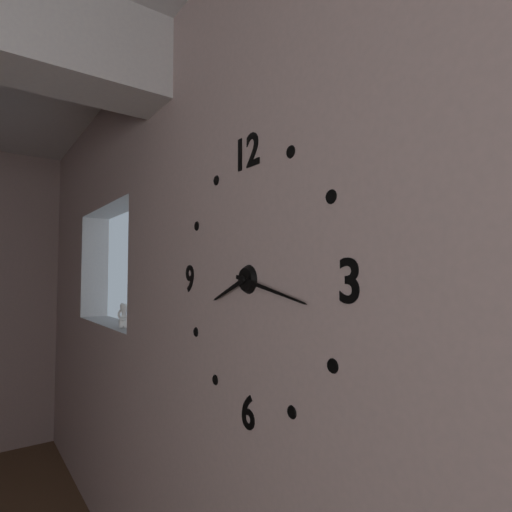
8:17
